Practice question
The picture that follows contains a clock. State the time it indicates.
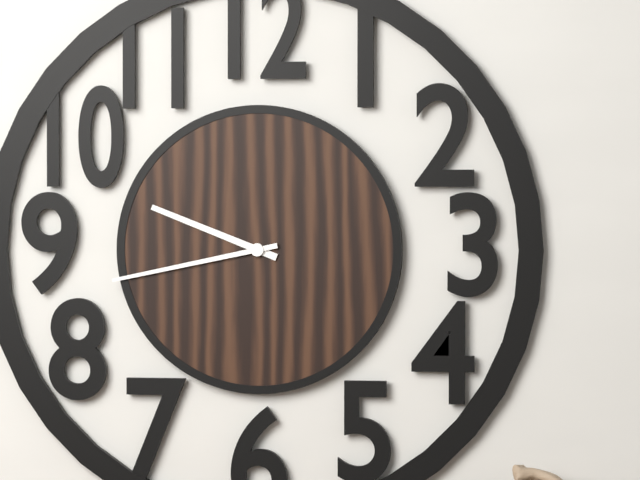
9:43
